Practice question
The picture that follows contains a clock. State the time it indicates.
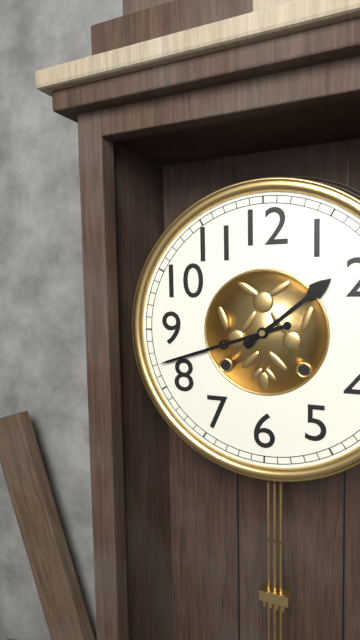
1:42
